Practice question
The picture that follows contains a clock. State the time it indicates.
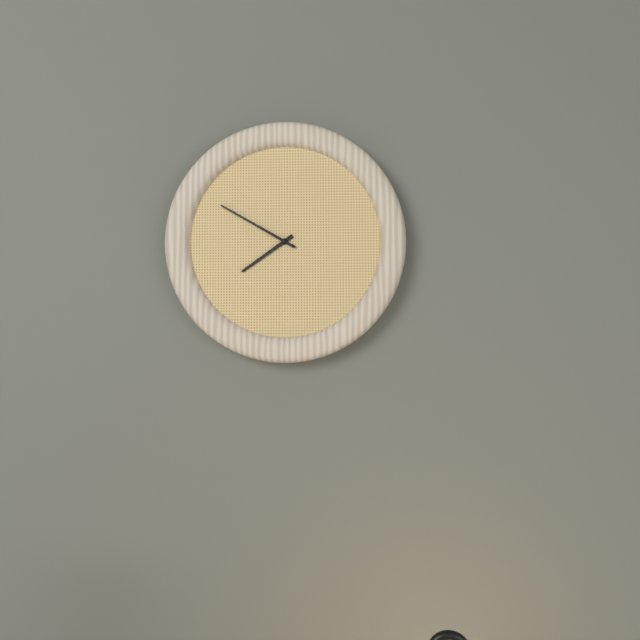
7:50
